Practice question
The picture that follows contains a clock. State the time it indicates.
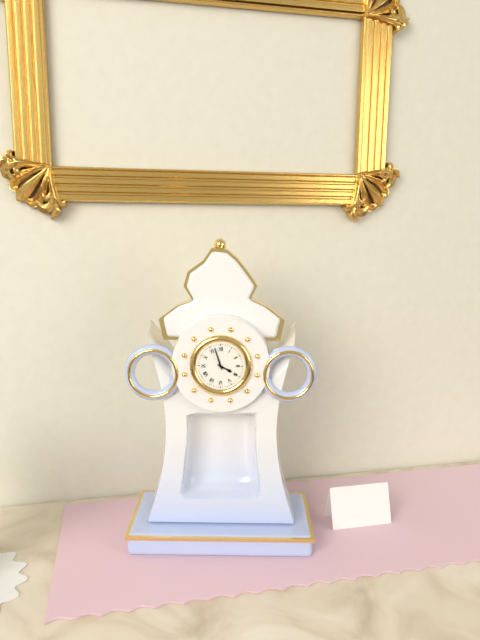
3:57
